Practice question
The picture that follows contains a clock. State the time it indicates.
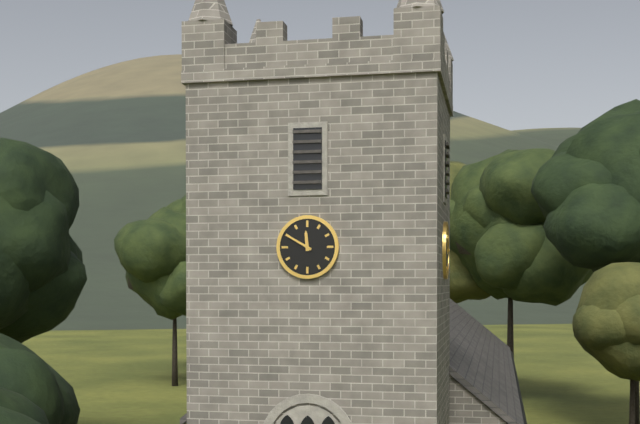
11:50
